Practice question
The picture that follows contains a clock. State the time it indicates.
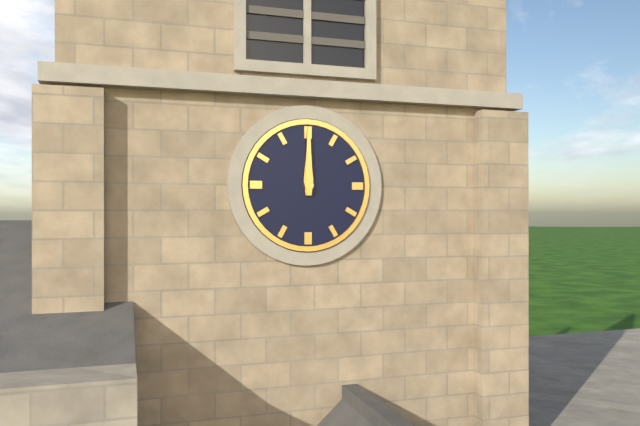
12:00
